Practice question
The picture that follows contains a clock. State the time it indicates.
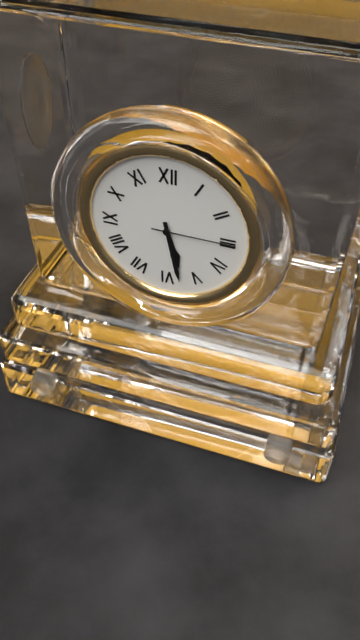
5:28:15
